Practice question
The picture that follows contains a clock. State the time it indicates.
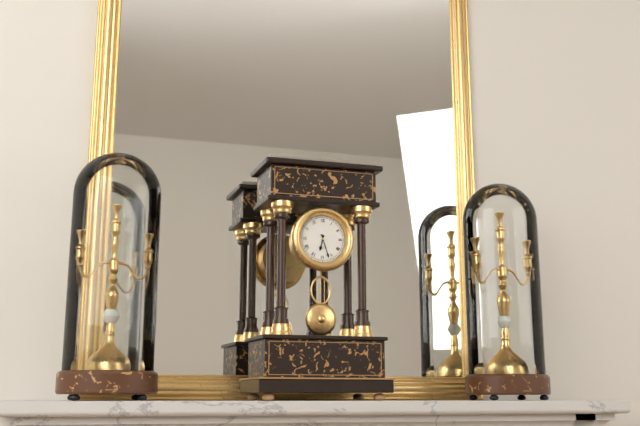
6:27
